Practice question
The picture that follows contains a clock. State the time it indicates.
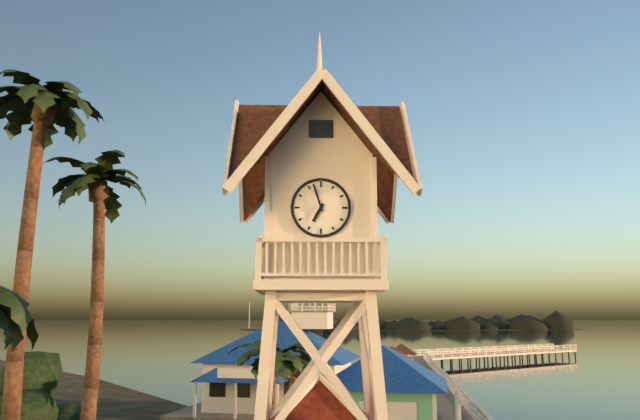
6:57
